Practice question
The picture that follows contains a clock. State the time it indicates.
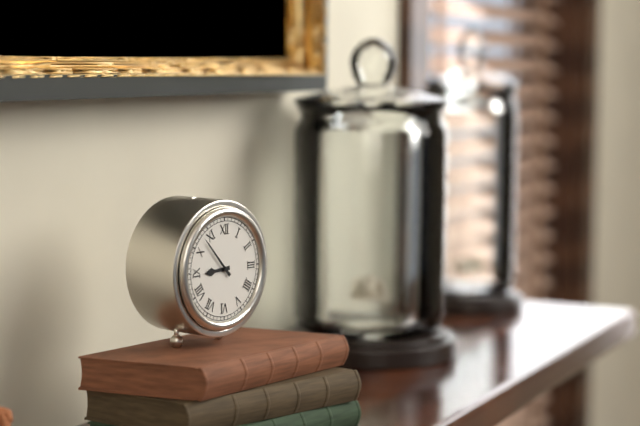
8:53
